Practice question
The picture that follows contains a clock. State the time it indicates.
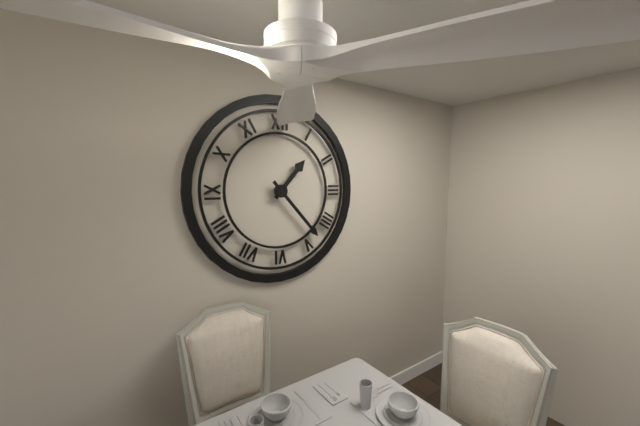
1:23
